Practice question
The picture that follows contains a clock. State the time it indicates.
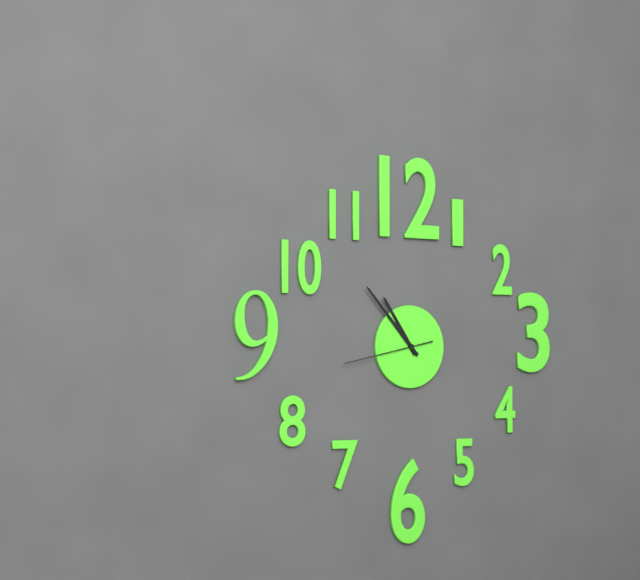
10:53:43
